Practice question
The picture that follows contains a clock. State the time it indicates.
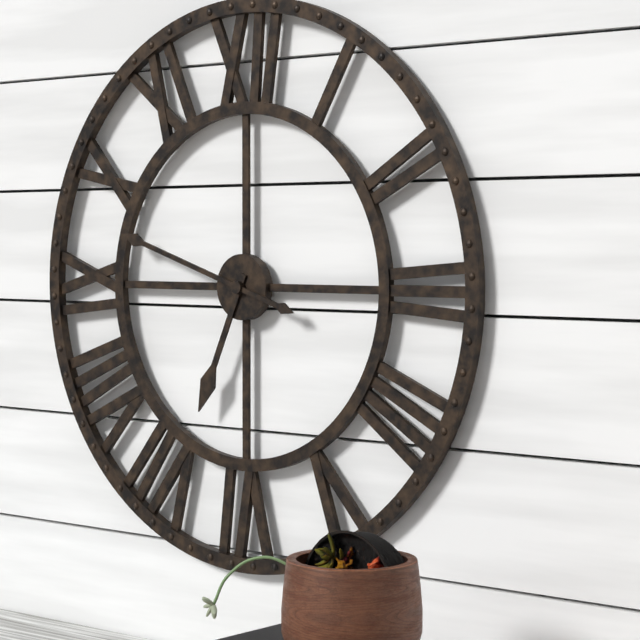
6:48
